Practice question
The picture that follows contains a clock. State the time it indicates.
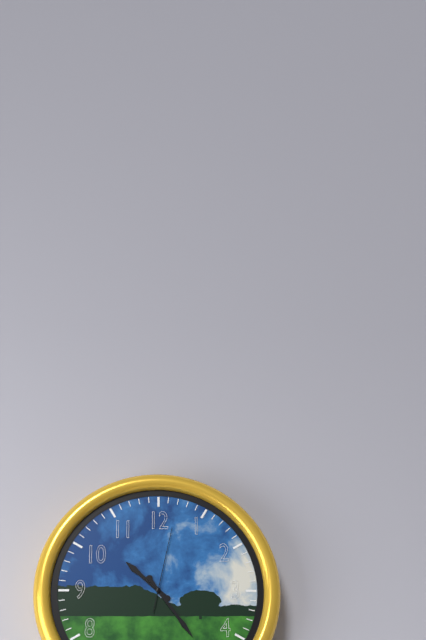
10:24:02
